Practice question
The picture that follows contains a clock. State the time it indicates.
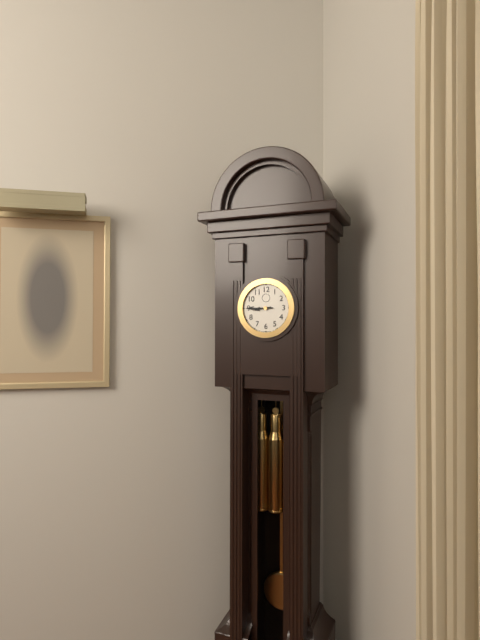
8:45
